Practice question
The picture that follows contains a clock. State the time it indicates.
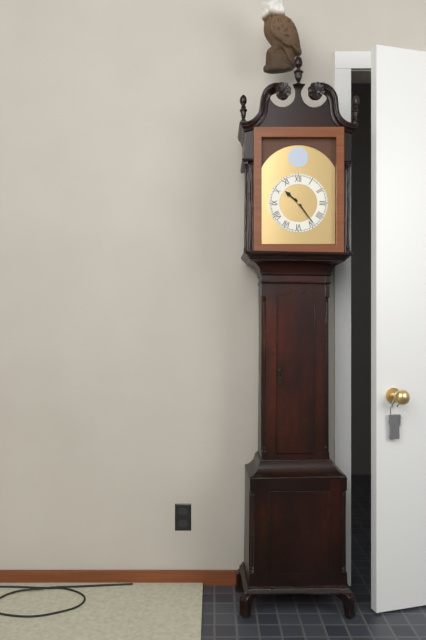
10:24
